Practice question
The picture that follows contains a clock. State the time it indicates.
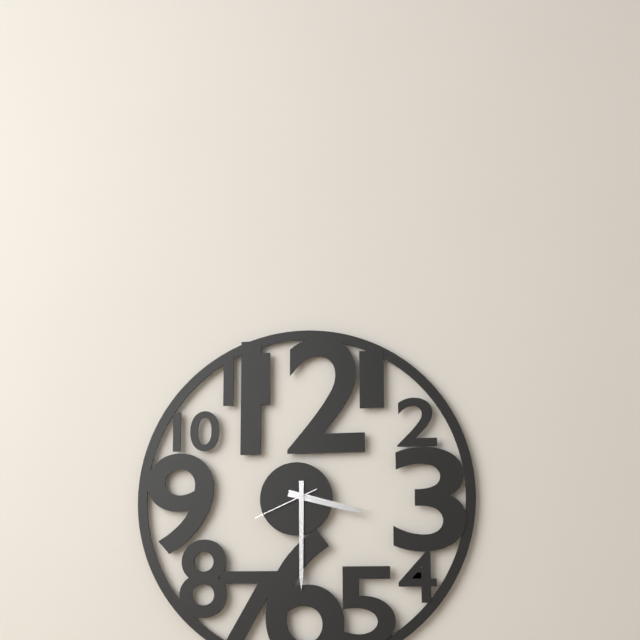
3:30:41
